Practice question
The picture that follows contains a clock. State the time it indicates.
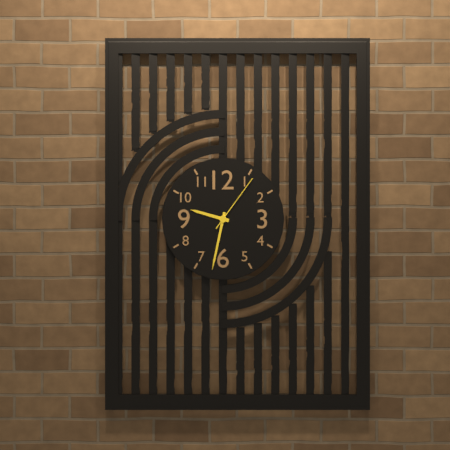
9:32:06
